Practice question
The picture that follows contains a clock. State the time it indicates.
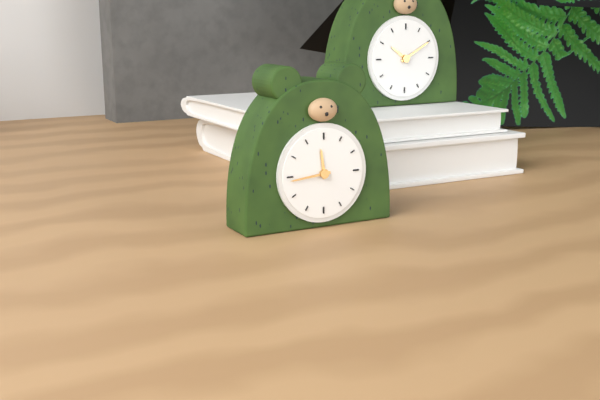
11:44
